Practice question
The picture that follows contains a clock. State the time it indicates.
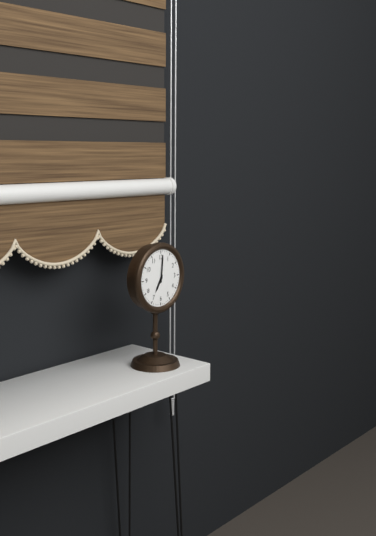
7:01
